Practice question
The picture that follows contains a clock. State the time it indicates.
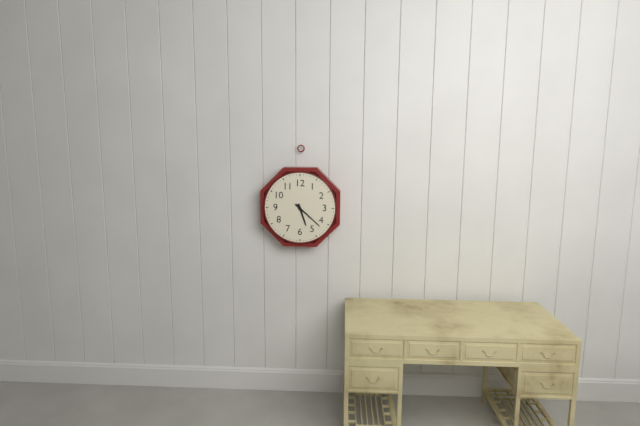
5:22
